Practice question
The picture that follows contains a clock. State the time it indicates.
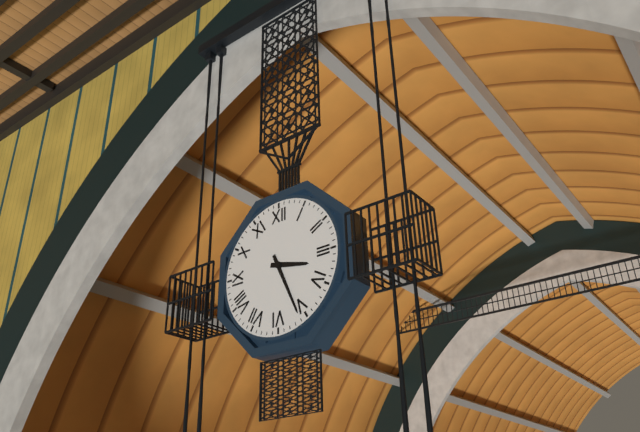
3:26
